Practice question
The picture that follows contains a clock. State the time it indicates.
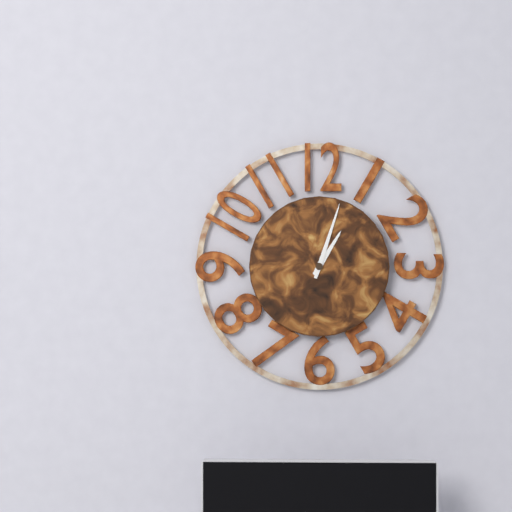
1:03
